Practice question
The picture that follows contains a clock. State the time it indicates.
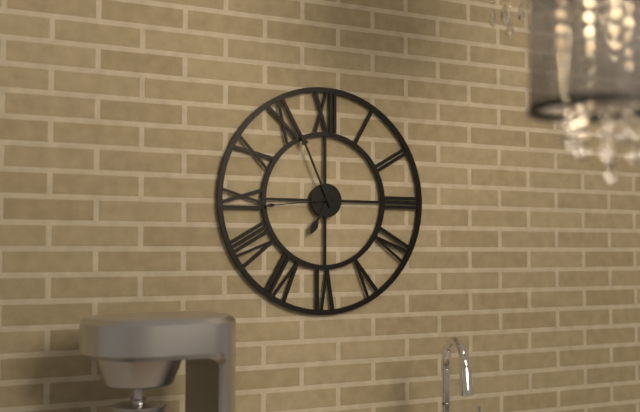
6:56:44
